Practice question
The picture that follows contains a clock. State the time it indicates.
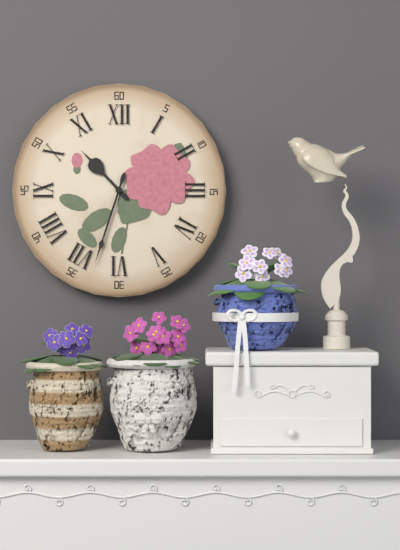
10:33
